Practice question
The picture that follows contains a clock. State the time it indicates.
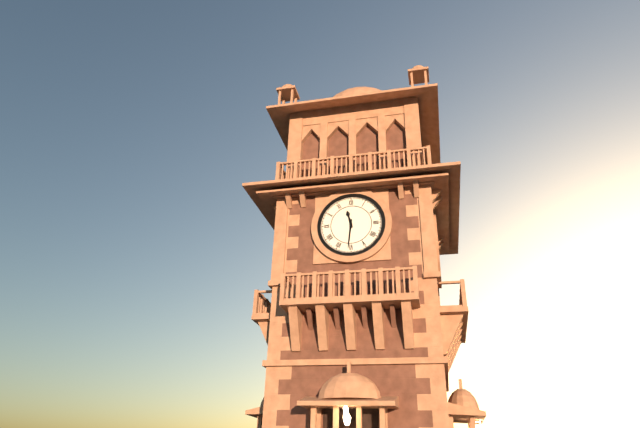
11:31
